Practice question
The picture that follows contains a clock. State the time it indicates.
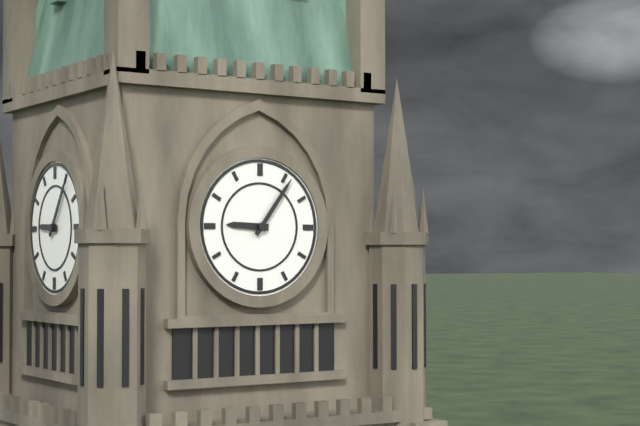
9:06
